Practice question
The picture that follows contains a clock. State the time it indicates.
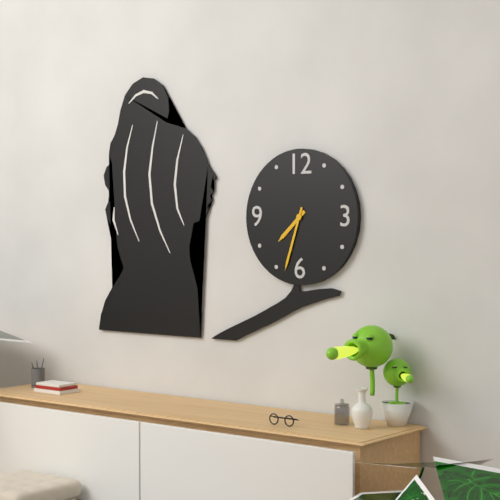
7:33
